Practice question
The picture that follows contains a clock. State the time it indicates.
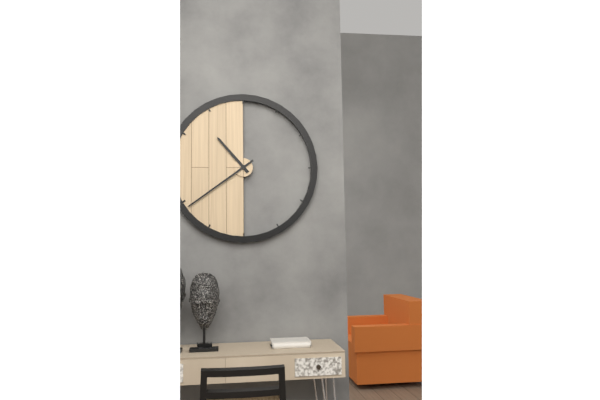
10:39
